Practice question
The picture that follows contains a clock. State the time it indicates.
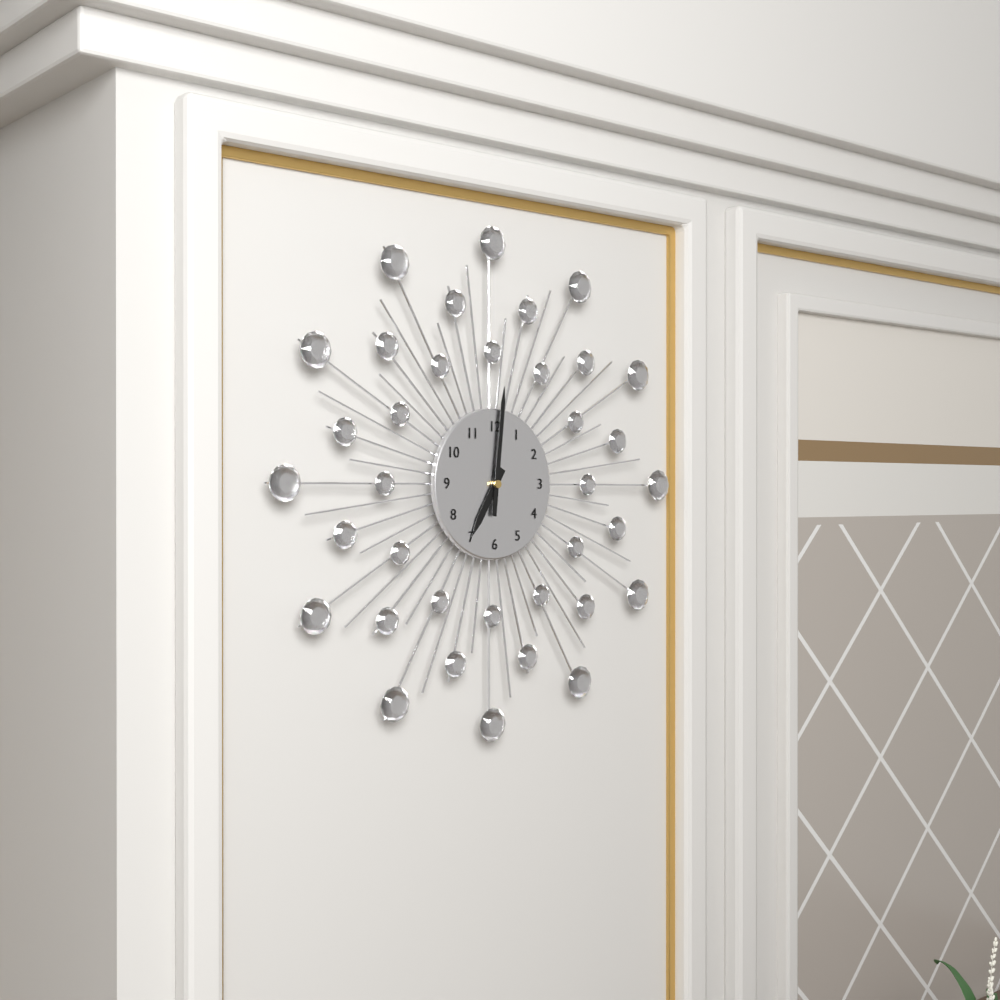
7:01
